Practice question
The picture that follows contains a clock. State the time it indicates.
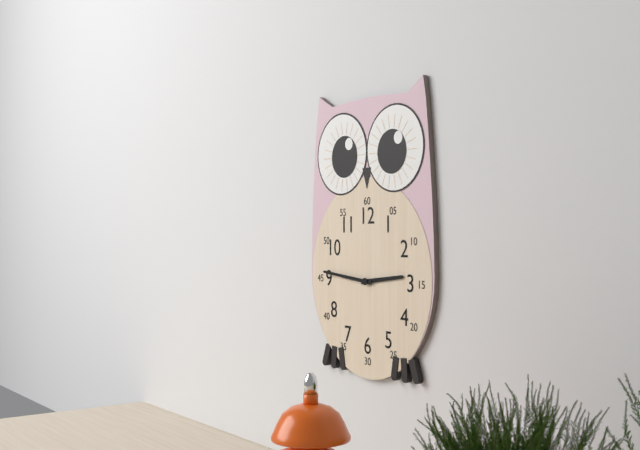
2:46
